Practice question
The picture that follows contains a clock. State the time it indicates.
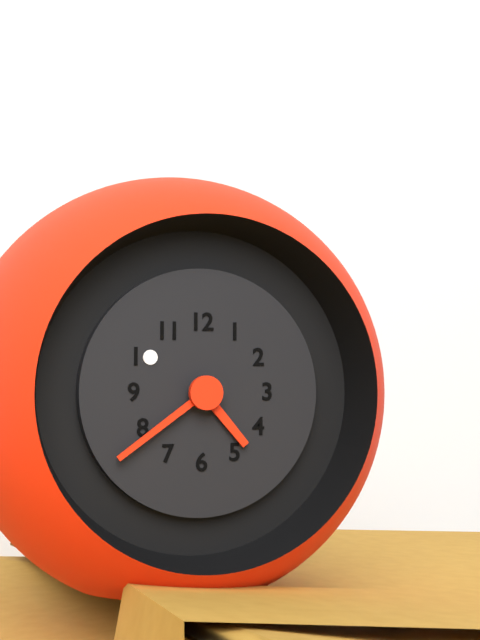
4:39
